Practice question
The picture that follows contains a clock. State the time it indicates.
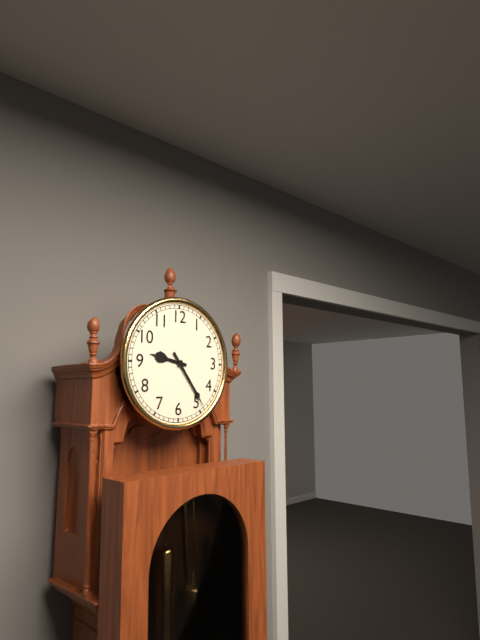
9:24
